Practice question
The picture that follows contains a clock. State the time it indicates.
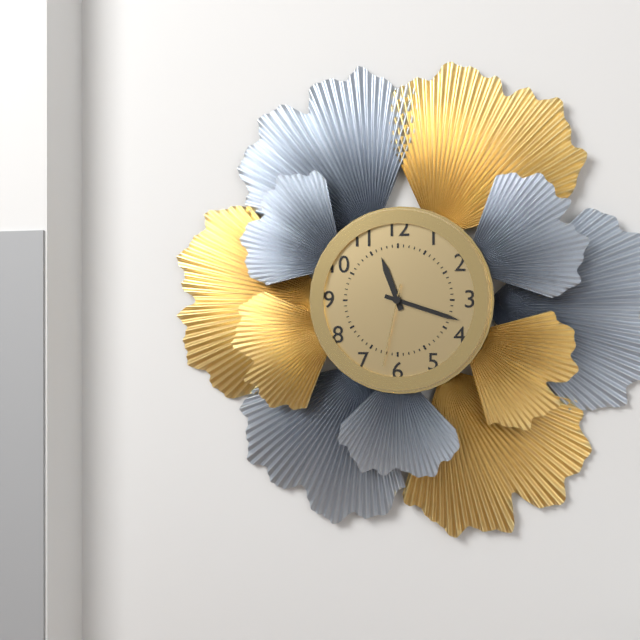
11:18:32
